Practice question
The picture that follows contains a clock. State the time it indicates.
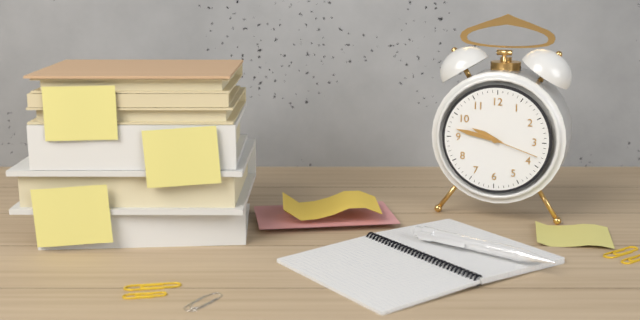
9:47:18
